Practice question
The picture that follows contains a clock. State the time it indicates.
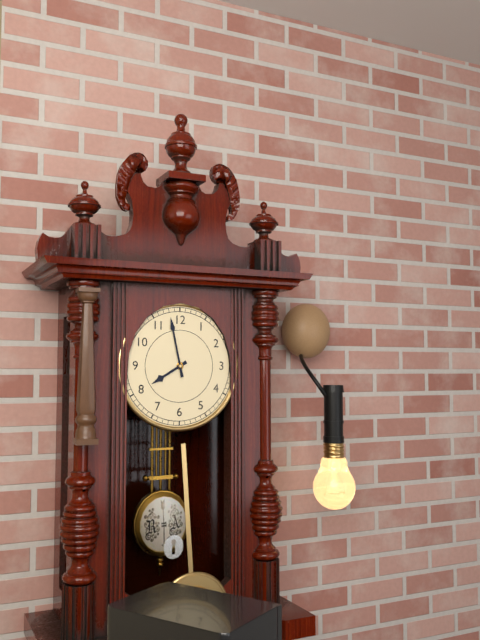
7:58
